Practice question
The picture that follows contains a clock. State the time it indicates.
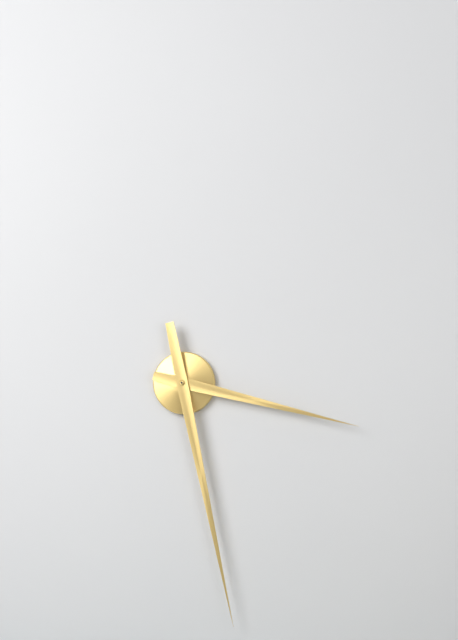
3:28
